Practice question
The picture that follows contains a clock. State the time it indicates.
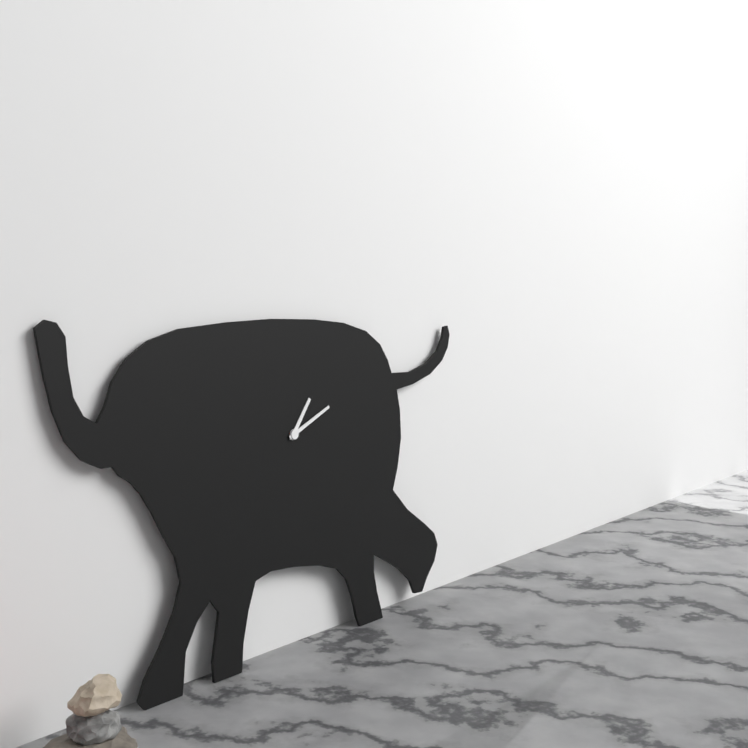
1:11
